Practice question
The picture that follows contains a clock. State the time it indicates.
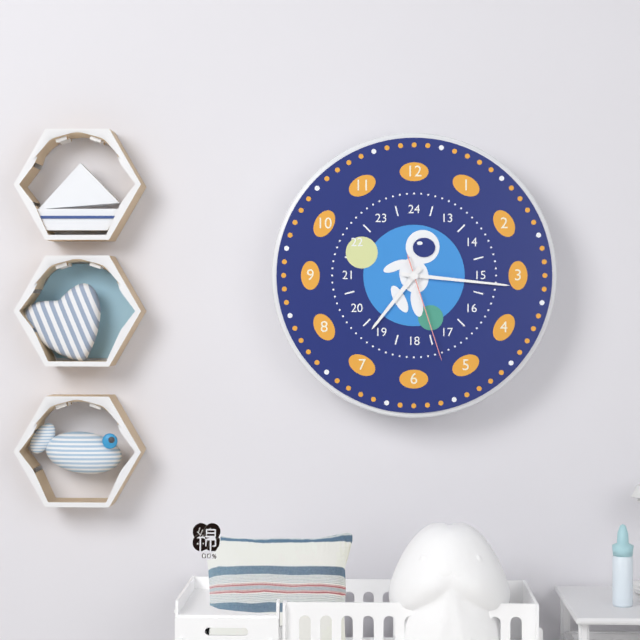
7:16:27
